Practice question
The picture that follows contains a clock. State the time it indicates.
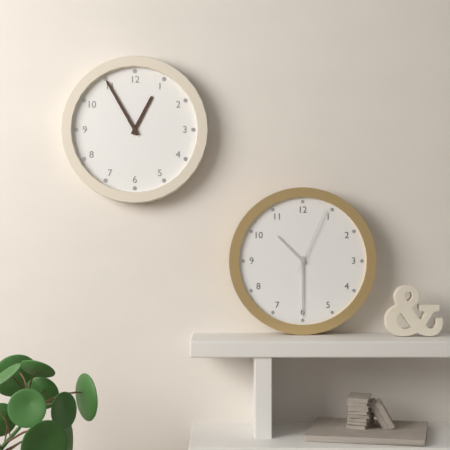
12:55
